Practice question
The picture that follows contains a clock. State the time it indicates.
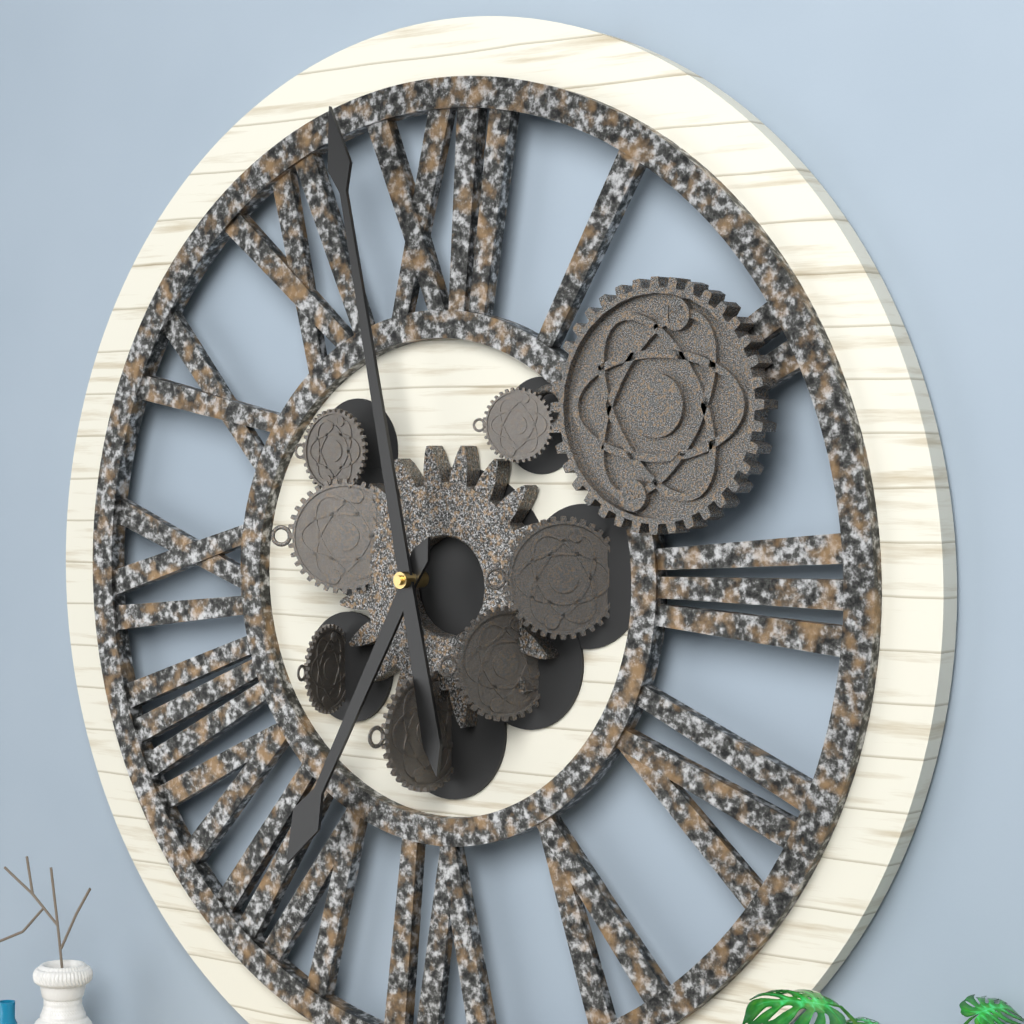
6:58
